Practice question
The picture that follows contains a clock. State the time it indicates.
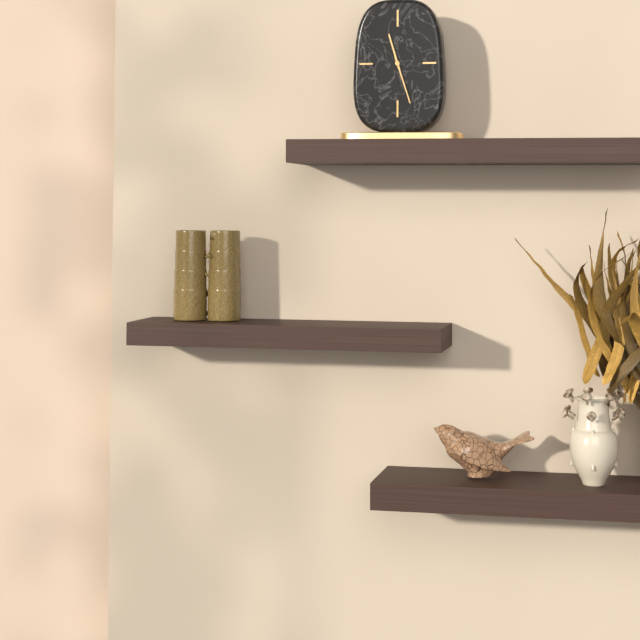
11:27
